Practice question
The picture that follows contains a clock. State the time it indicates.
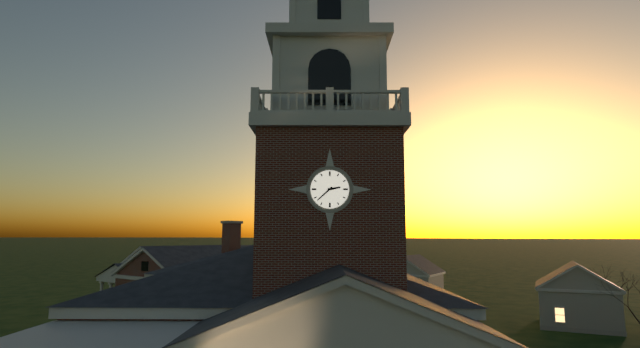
2:38
